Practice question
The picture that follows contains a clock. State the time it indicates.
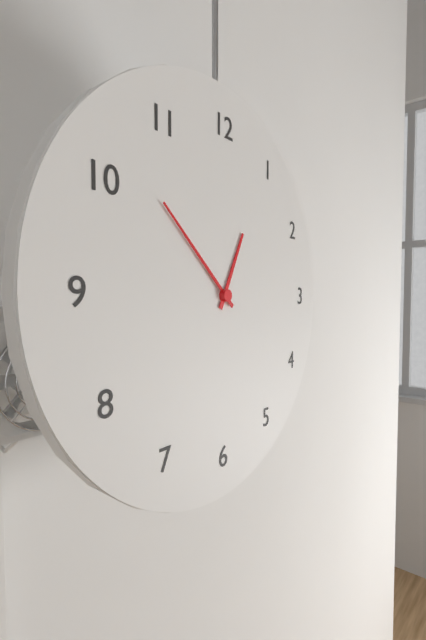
12:52
